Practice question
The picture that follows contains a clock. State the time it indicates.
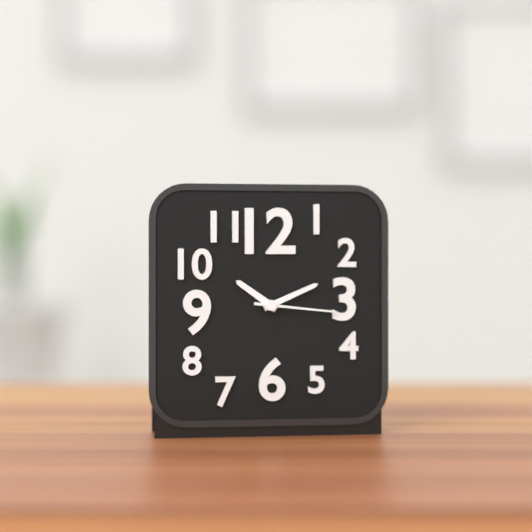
10:11:16
